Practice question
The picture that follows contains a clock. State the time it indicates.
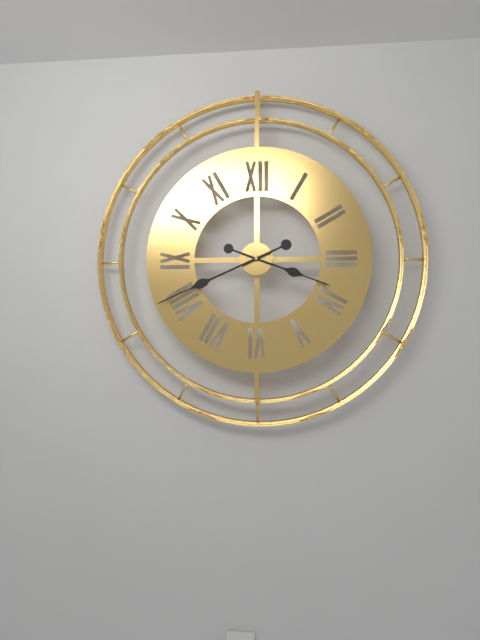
3:41
